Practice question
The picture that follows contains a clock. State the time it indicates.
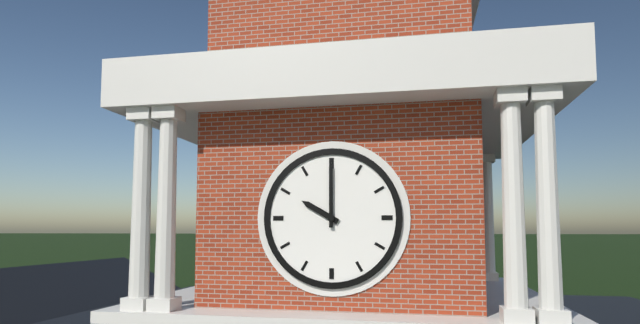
10:00
